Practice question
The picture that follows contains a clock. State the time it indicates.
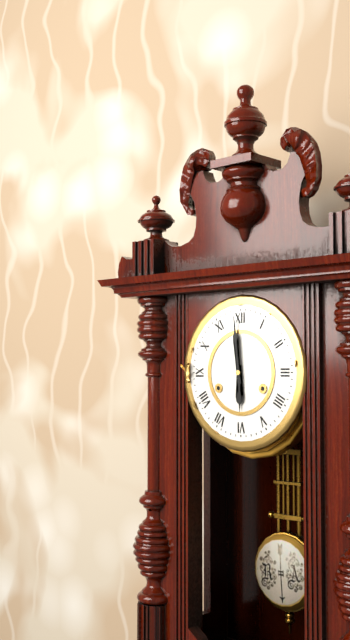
5:59
